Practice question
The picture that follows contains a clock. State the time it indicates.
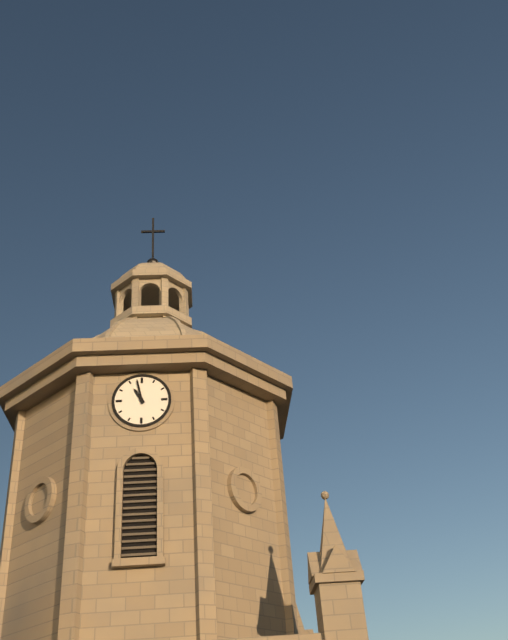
10:58
